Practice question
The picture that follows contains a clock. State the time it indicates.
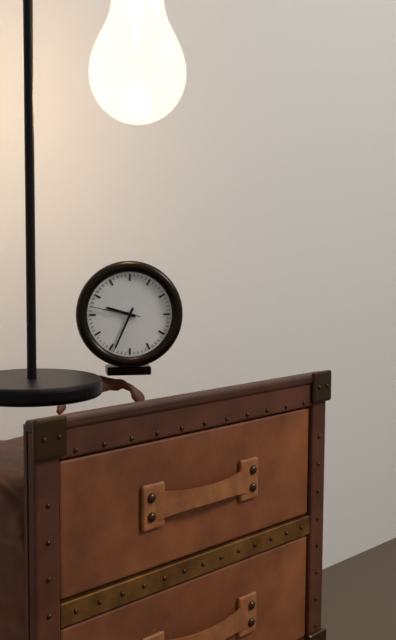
9:34:47
